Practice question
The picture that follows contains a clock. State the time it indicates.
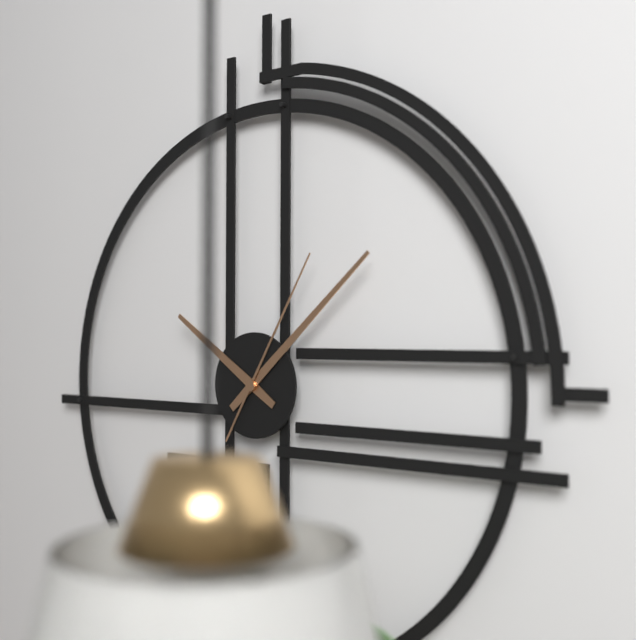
10:08:05
